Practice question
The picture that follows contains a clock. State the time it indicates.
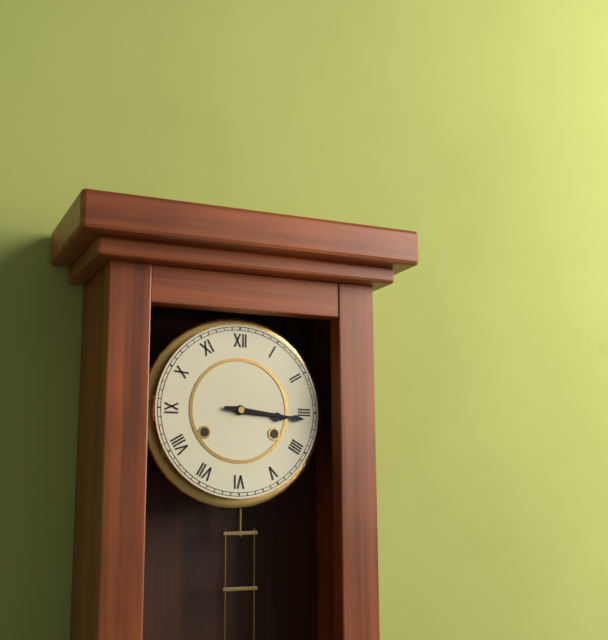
3:16
